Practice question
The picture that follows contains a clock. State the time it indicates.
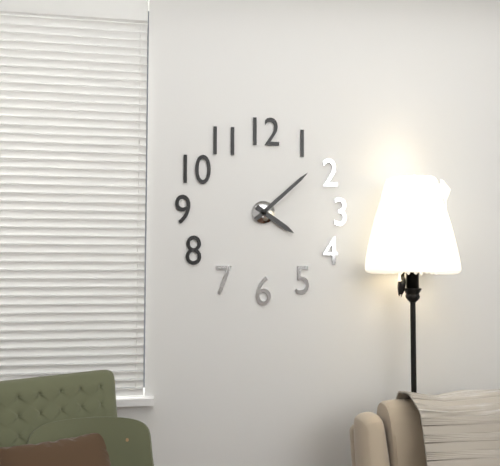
4:08
